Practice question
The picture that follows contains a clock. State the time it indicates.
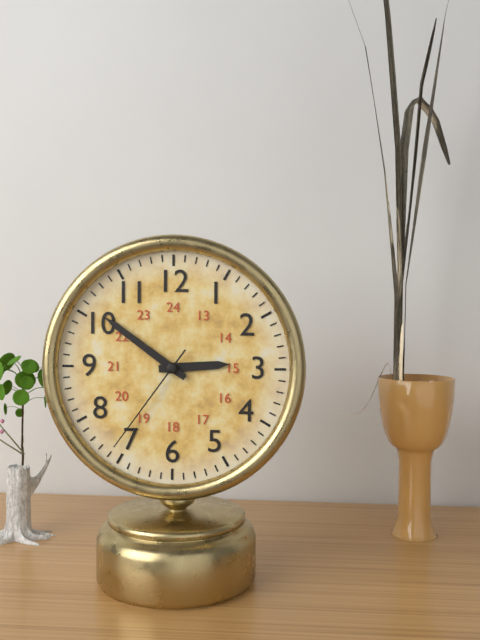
2:51:36
